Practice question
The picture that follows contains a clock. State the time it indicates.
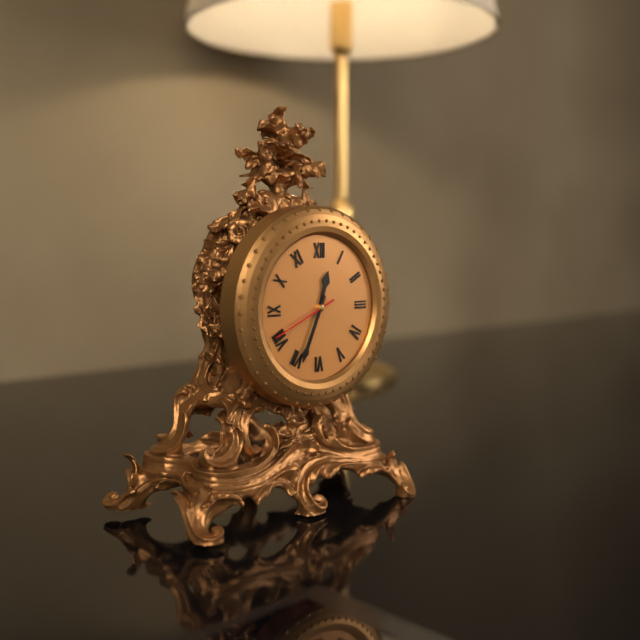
12:34:41
